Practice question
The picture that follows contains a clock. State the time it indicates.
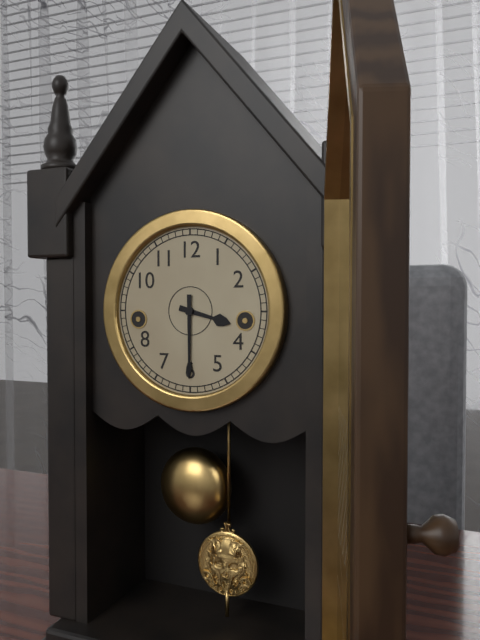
3:30
